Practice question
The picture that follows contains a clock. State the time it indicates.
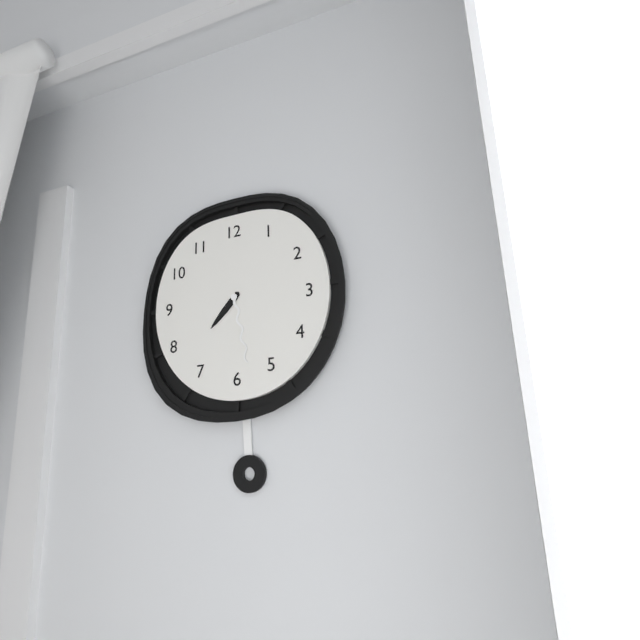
7:28
